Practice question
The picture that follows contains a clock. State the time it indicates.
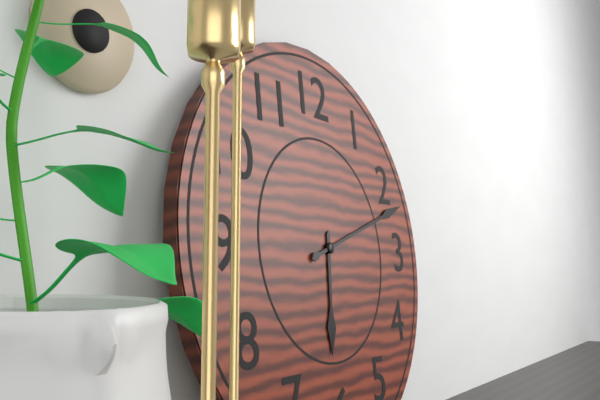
6:12
